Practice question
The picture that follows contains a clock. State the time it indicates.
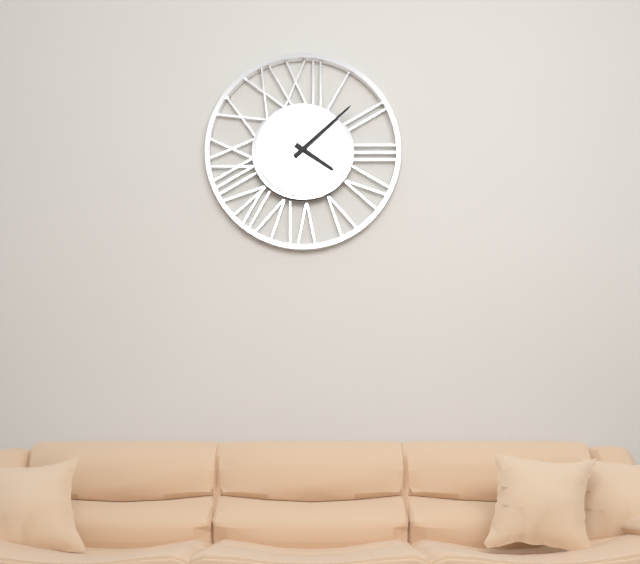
4:08
